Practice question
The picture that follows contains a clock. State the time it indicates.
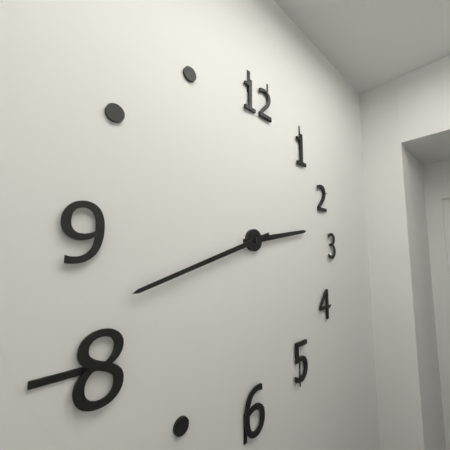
2:42
